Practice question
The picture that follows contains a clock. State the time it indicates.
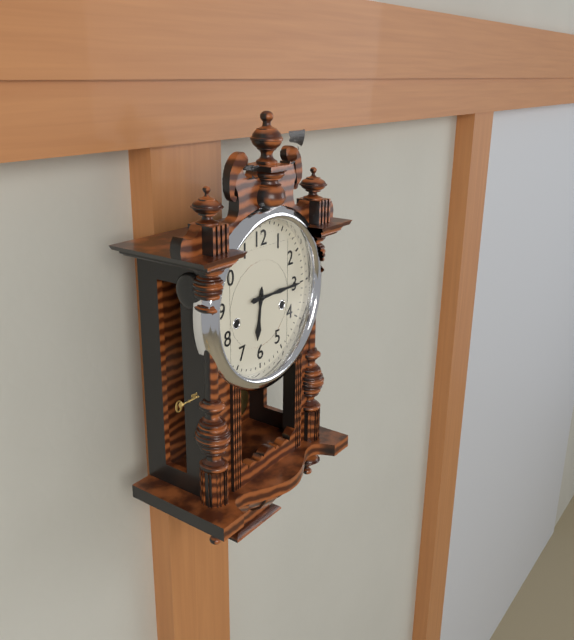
6:15
